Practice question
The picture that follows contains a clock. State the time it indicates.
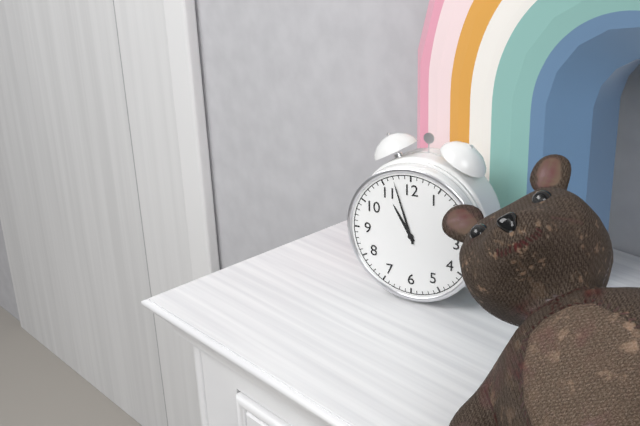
10:57
